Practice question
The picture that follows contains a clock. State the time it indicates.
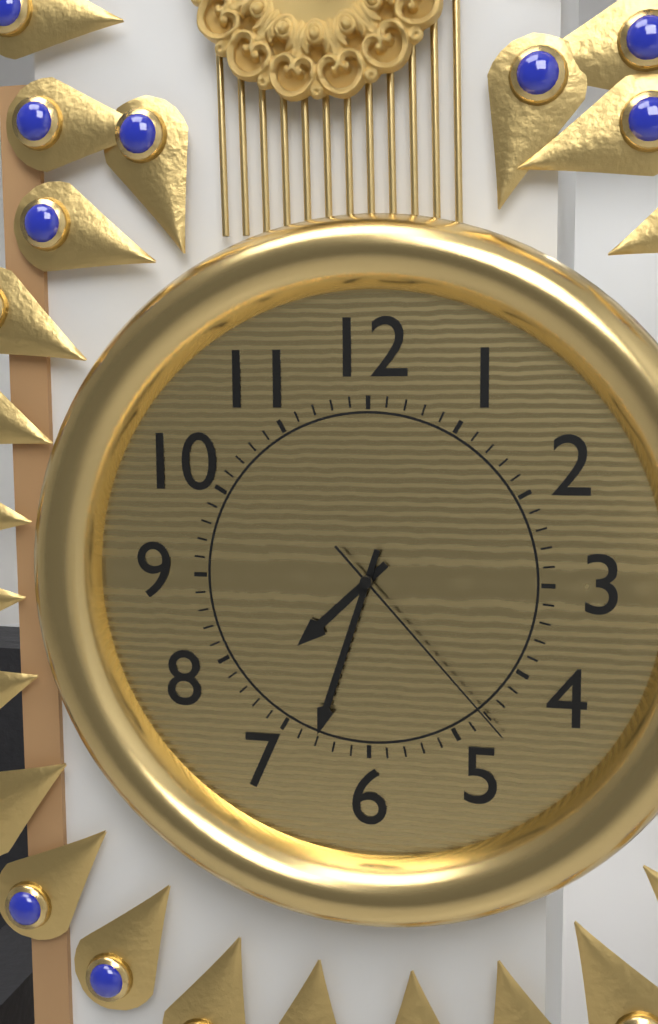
7:33:23
